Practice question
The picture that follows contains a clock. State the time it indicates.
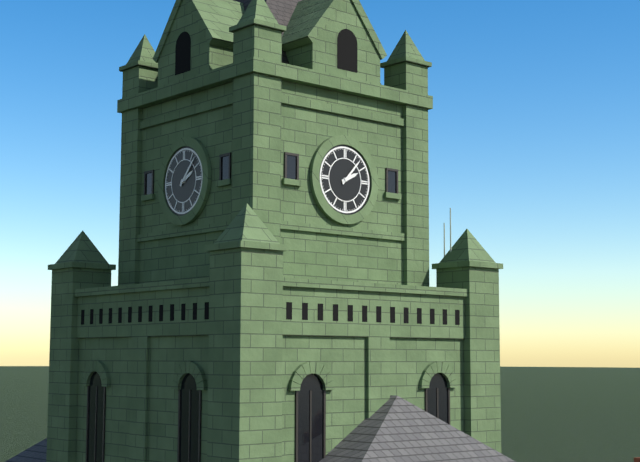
2:07
